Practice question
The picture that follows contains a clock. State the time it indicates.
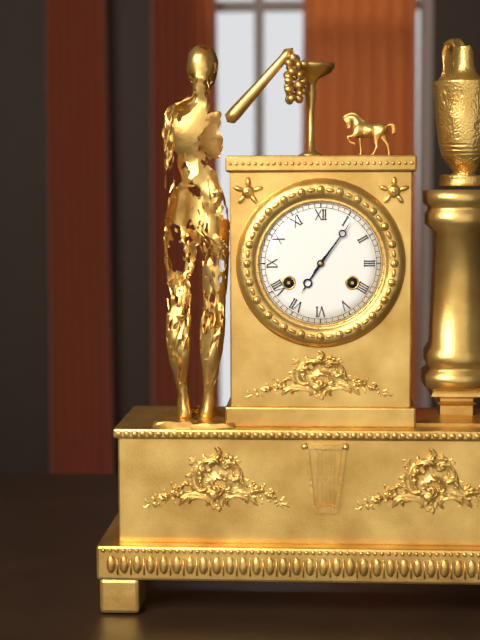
7:06
